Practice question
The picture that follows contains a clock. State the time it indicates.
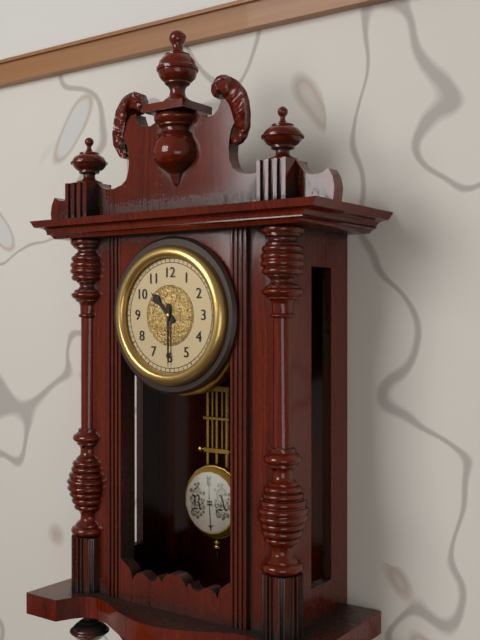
10:30
